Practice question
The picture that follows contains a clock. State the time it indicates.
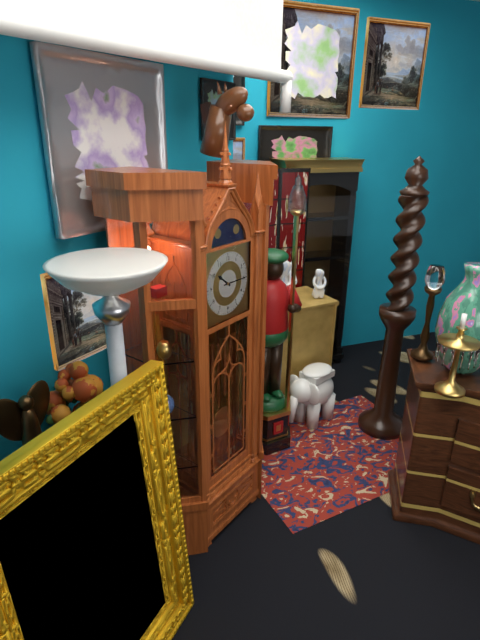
10:15
